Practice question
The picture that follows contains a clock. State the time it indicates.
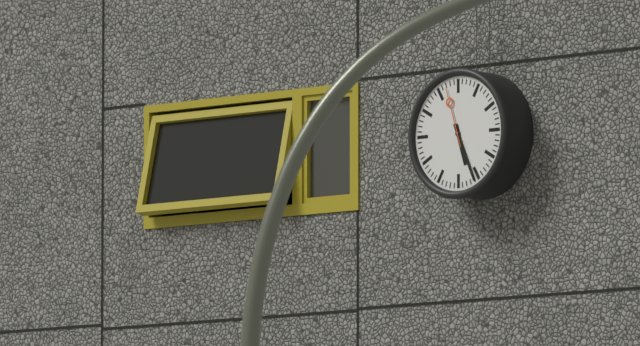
5:26:57
